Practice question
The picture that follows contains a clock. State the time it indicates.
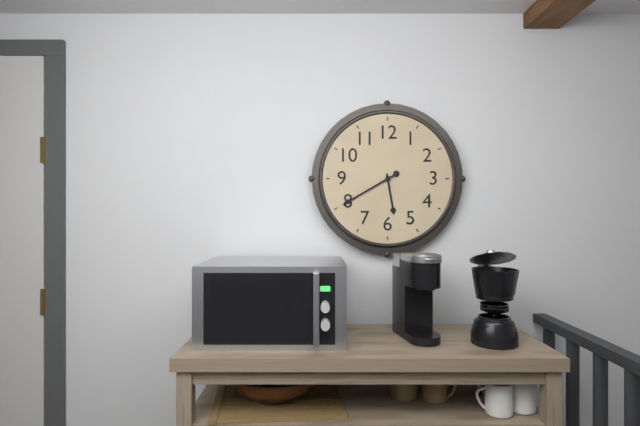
5:40
